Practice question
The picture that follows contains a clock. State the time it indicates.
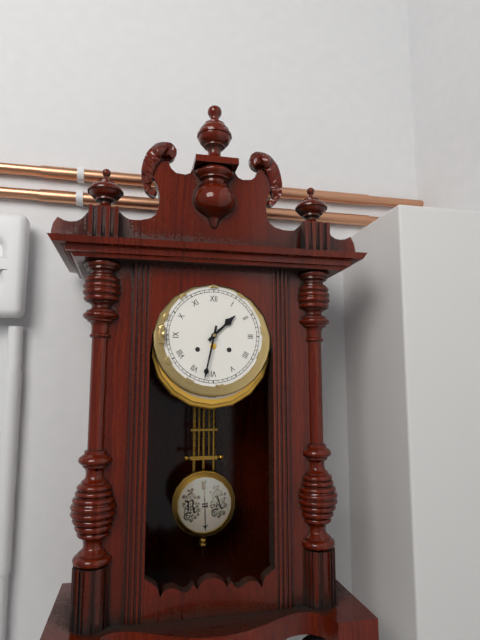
1:32
